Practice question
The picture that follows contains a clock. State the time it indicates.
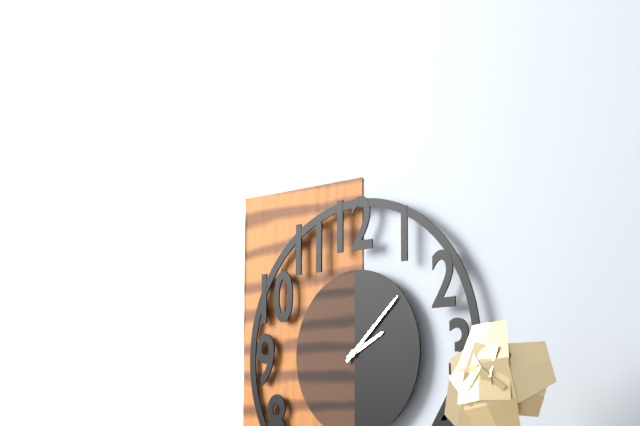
2:08
